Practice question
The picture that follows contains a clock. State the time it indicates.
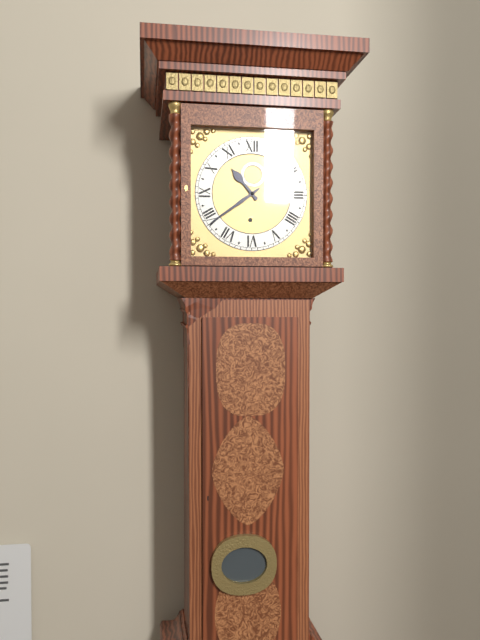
10:39
